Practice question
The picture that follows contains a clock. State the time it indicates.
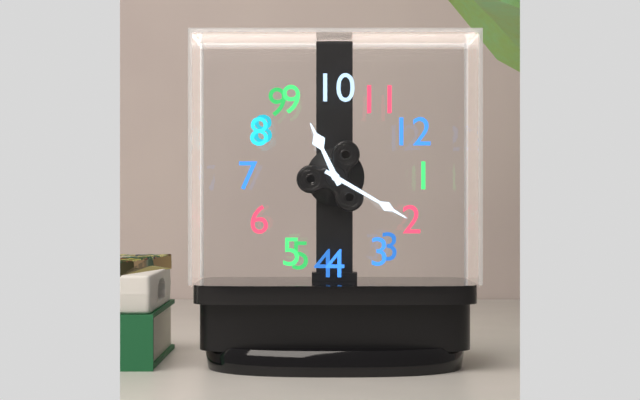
9:10
